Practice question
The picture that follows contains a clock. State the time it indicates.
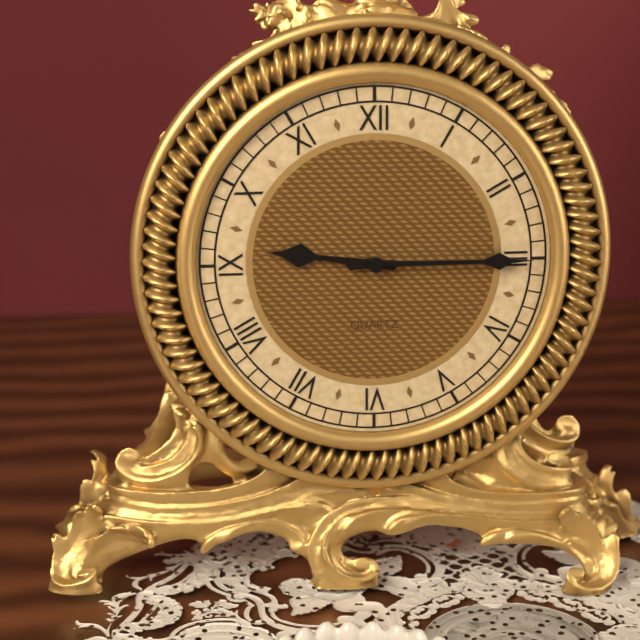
9:15
